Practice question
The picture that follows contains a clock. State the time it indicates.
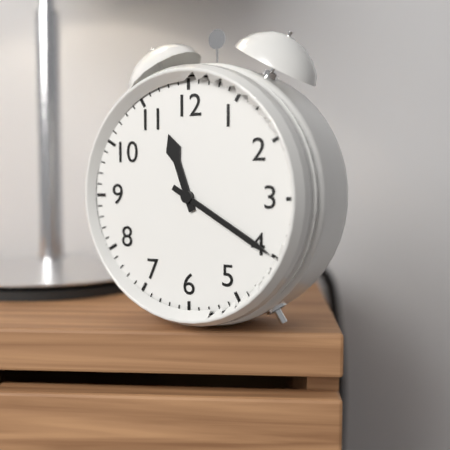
11:20
